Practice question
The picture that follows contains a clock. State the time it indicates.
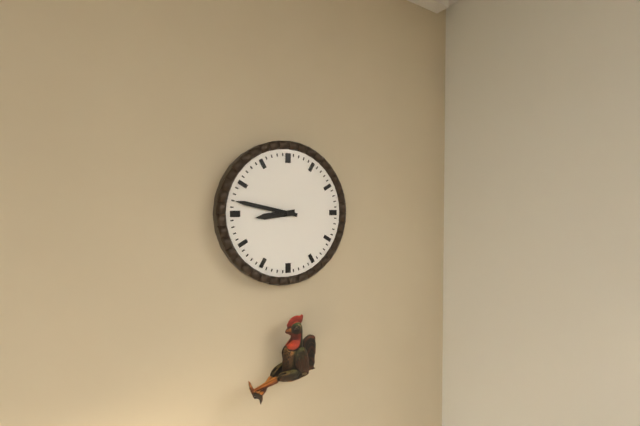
8:47
